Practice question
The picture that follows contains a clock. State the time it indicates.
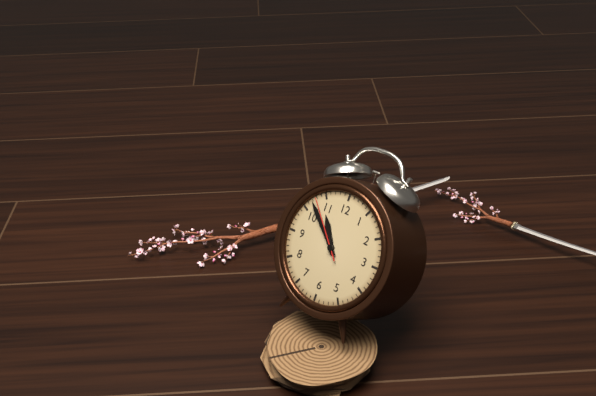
10:52:53
